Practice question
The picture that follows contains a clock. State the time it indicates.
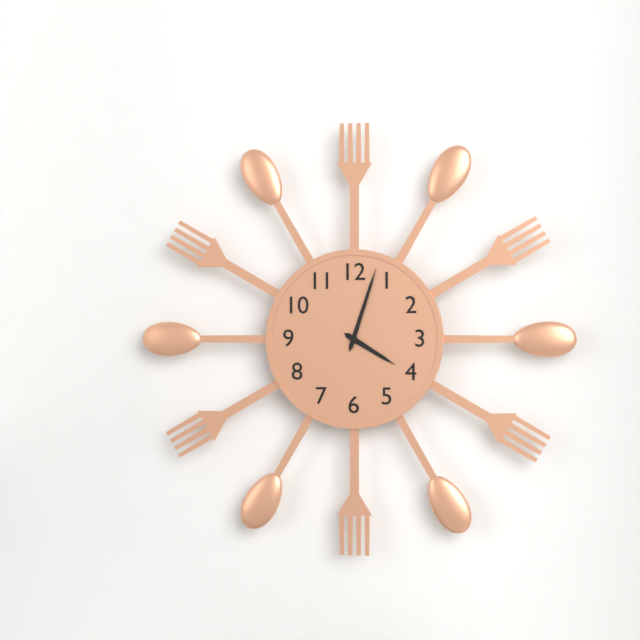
4:03
